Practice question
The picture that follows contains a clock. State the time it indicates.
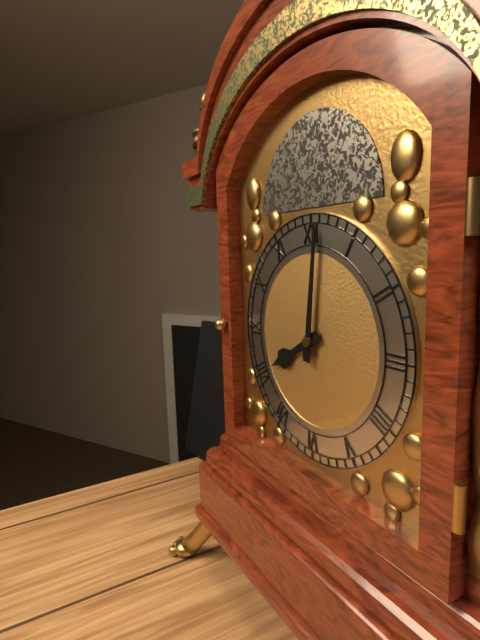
8:01
